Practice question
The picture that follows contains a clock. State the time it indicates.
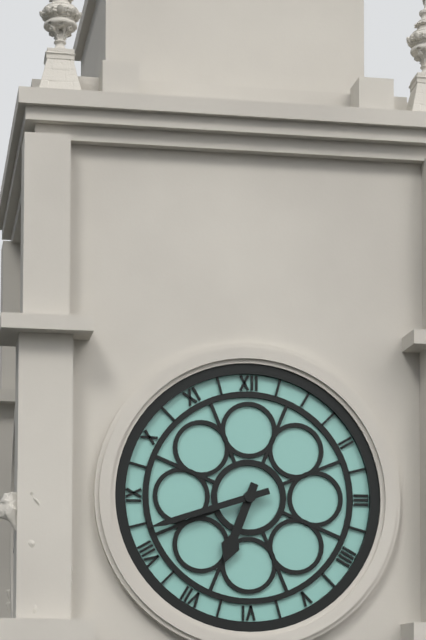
6:42
